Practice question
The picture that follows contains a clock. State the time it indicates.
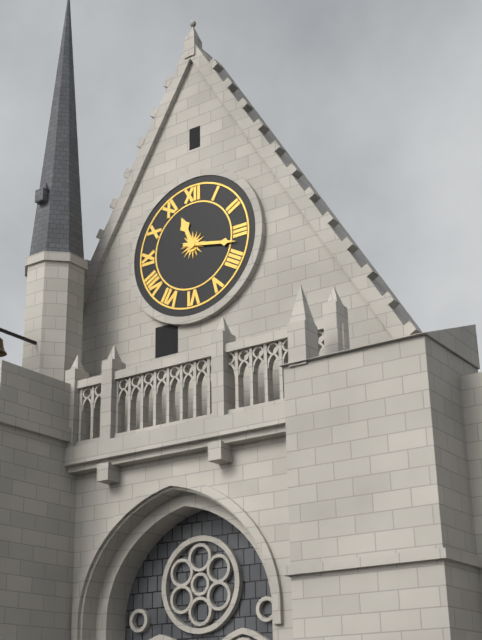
11:17
